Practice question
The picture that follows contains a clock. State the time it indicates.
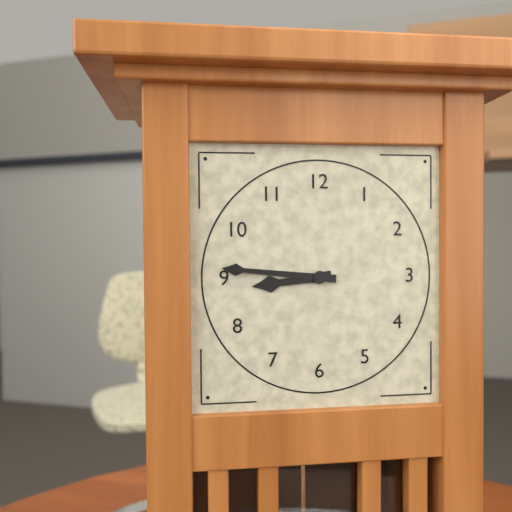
8:46
